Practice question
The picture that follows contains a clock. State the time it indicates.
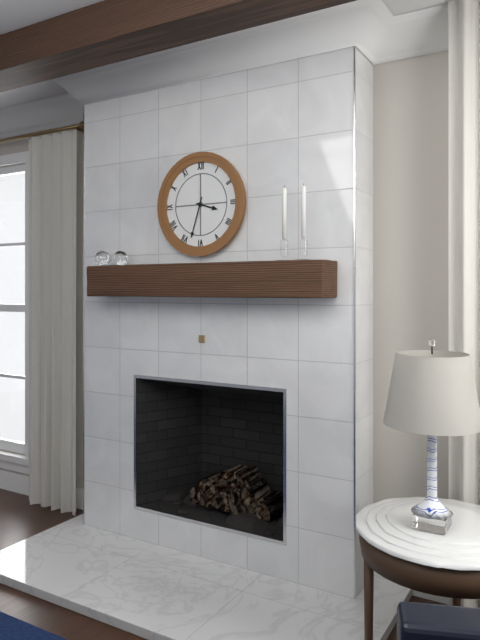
3:33
